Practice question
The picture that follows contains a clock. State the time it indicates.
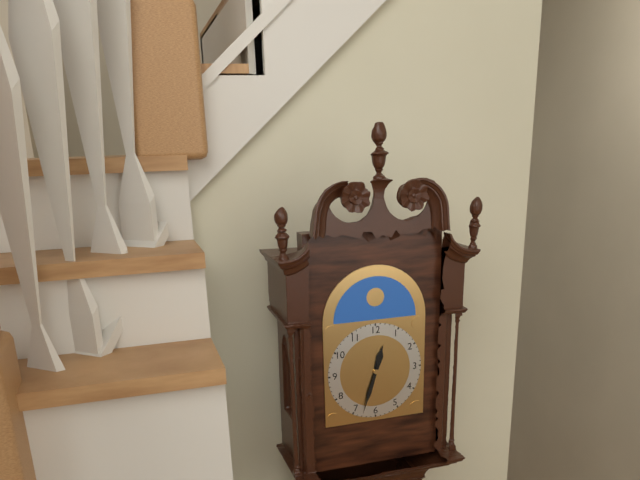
12:33
